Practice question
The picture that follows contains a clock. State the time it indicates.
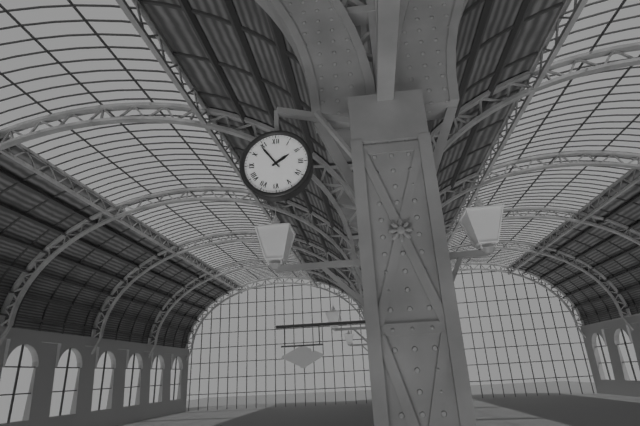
1:54
